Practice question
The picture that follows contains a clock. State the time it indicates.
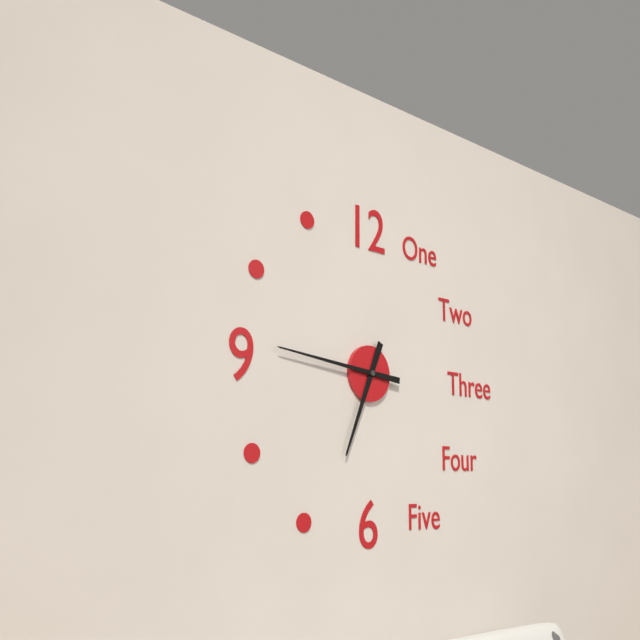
6:46
